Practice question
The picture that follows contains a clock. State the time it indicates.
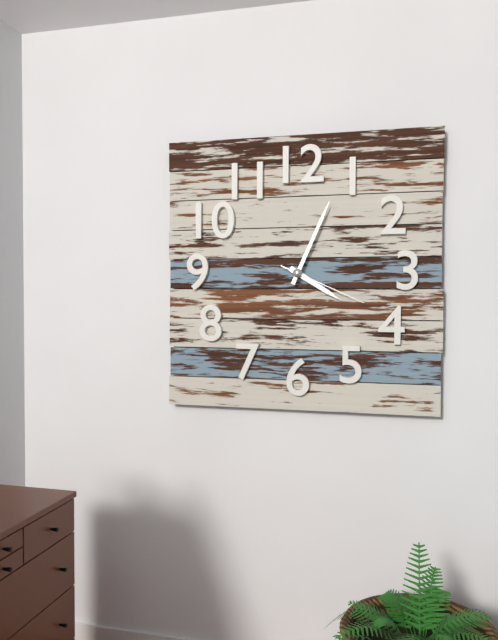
4:04:19
